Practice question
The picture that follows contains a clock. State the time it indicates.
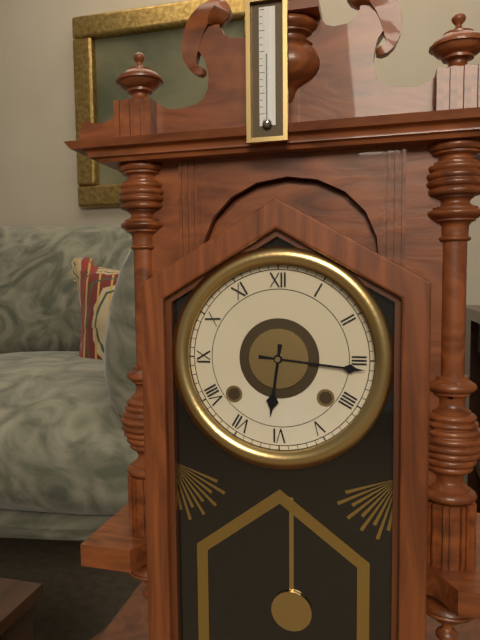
6:16
